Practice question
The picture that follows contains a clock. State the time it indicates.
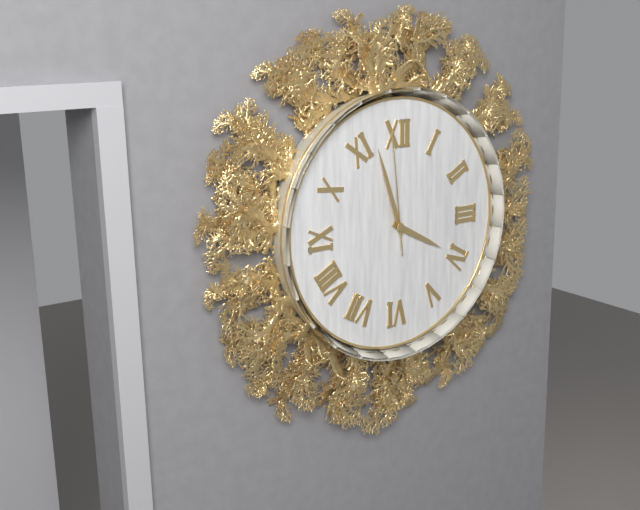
3:57:59
